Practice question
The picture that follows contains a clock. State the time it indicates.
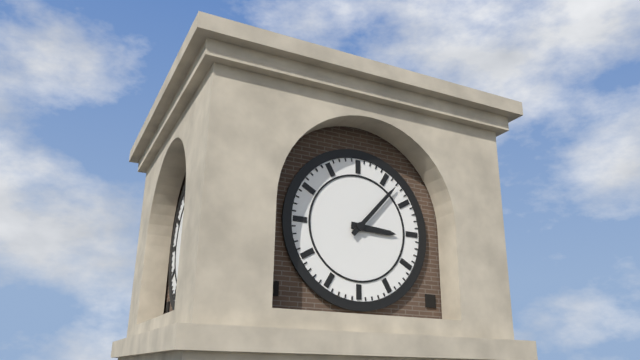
3:07
